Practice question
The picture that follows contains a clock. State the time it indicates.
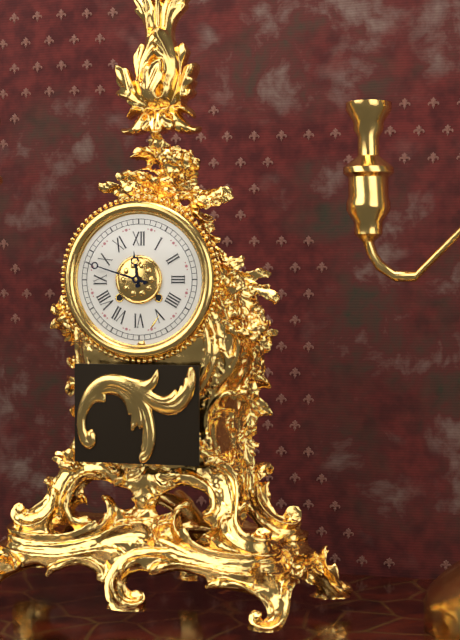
11:48
